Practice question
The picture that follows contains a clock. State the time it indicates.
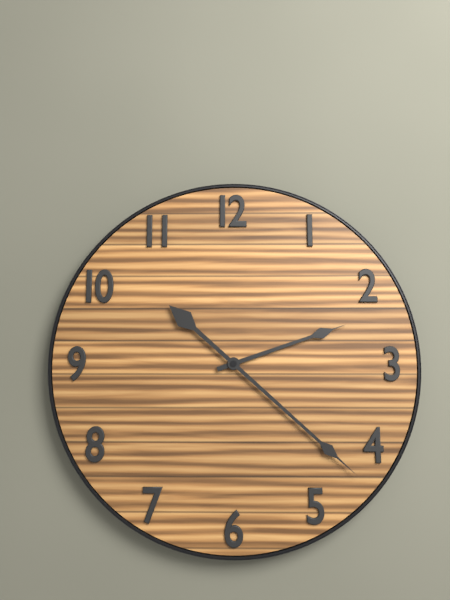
2:22
